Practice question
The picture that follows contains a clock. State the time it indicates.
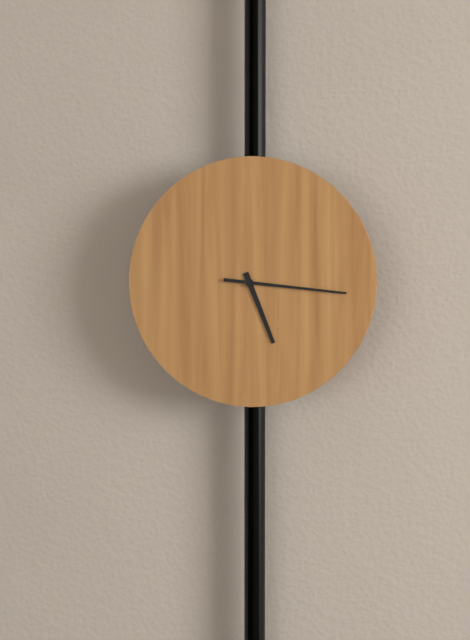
5:16
